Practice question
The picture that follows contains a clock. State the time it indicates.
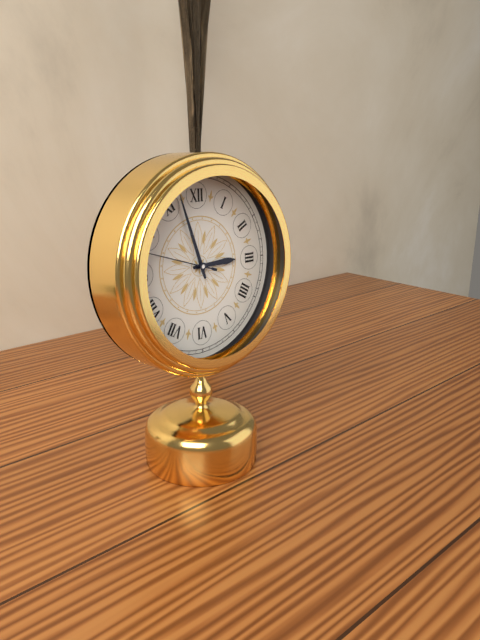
2:57:48
